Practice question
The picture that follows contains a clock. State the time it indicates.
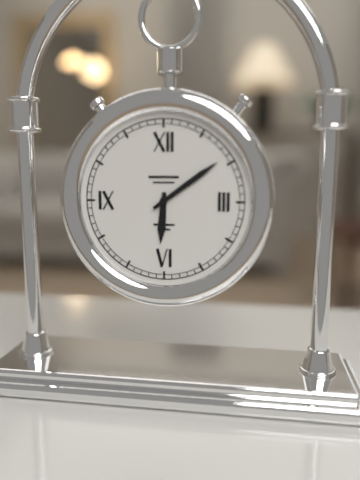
6:09
